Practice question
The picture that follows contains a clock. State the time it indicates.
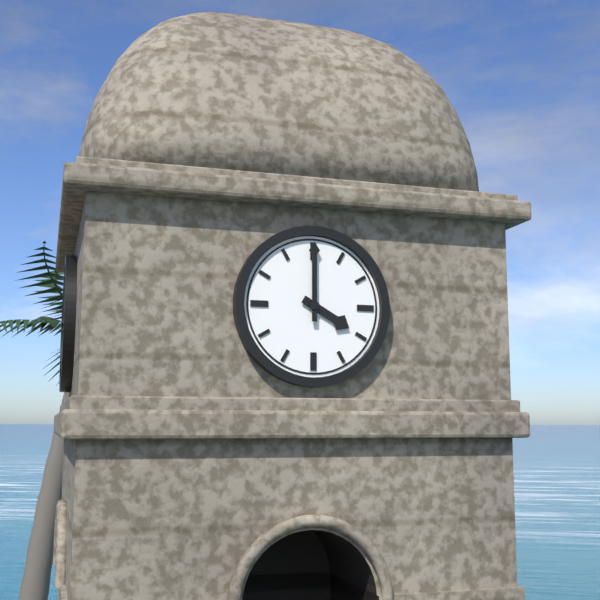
4:00
